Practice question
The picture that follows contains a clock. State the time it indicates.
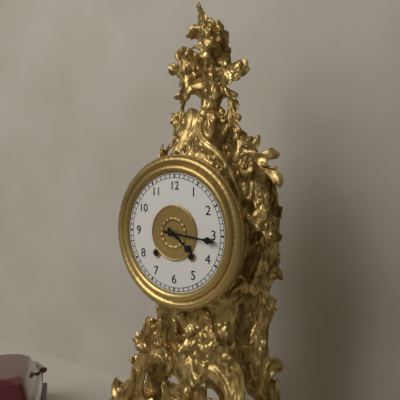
4:16
